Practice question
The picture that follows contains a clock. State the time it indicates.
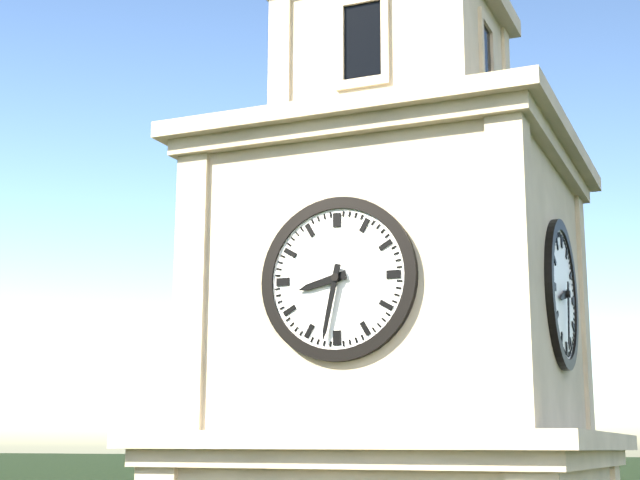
8:32
